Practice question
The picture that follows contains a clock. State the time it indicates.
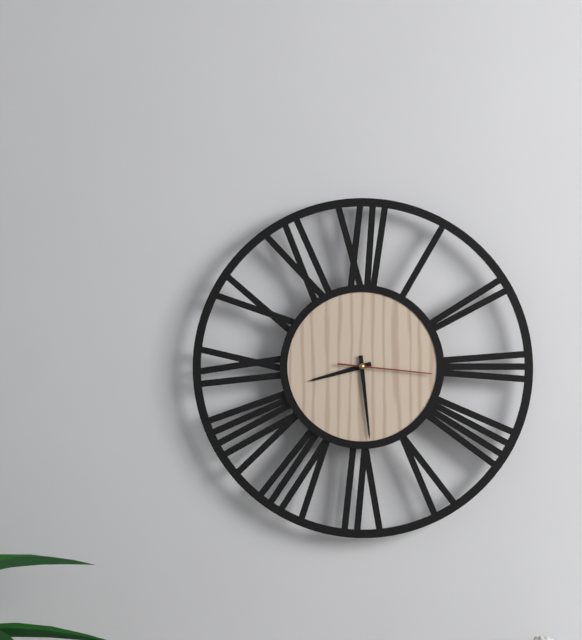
8:29:16
